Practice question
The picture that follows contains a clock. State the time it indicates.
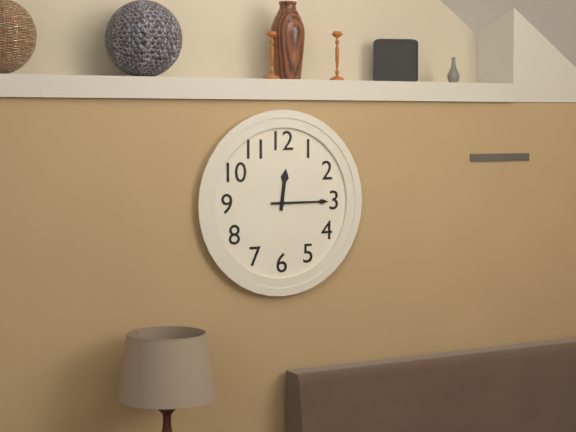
12:15
